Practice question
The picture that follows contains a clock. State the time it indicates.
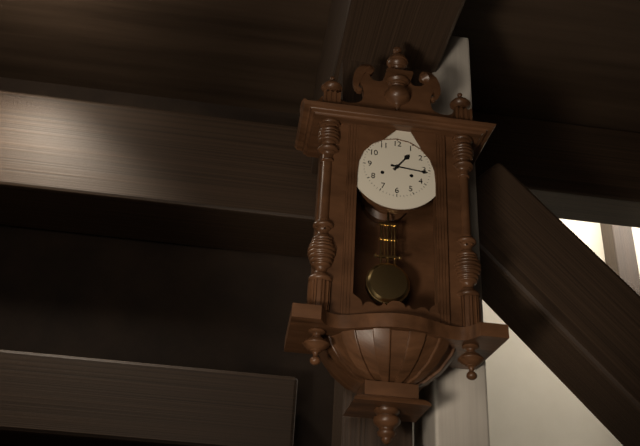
1:16
